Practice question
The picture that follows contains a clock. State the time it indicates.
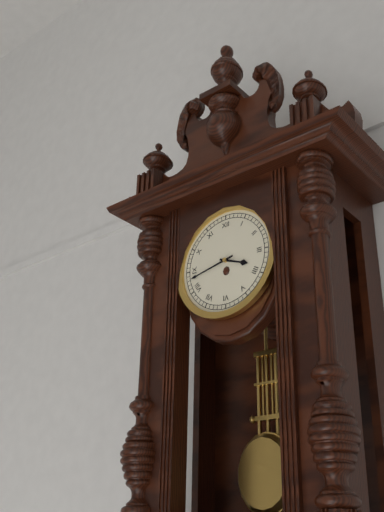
3:43
